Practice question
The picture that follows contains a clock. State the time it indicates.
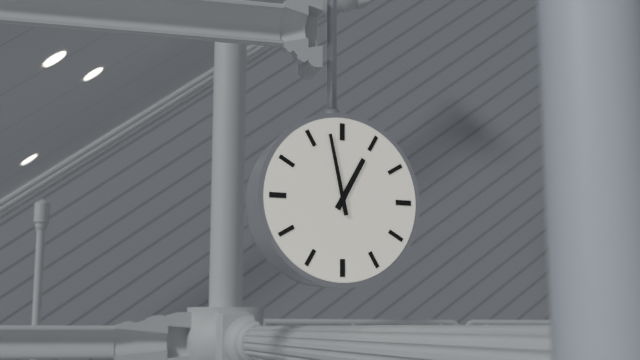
12:58
